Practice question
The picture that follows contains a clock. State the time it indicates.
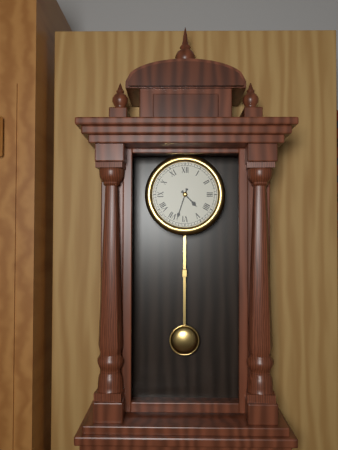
4:33
